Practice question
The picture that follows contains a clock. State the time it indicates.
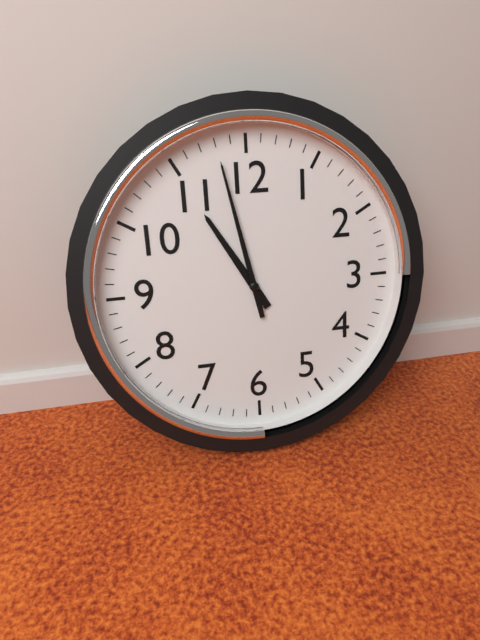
10:58
